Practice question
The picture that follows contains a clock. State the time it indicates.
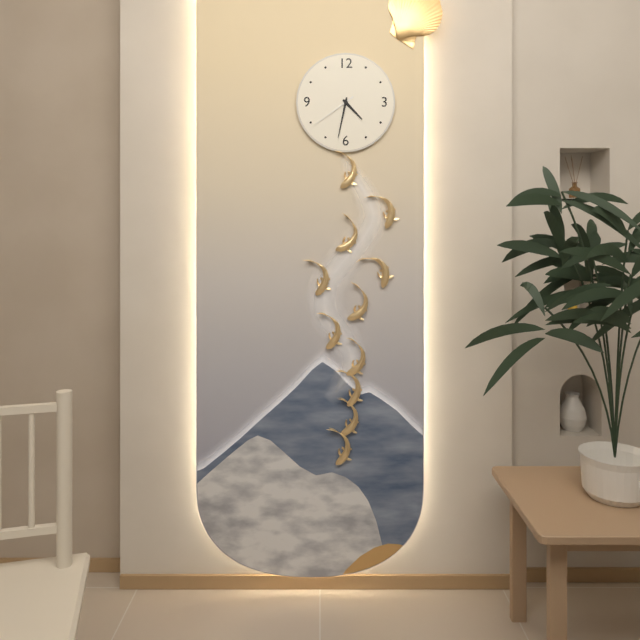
4:32
